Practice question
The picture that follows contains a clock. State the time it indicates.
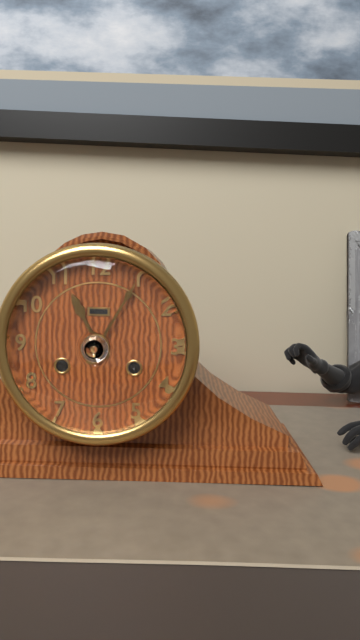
11:05
